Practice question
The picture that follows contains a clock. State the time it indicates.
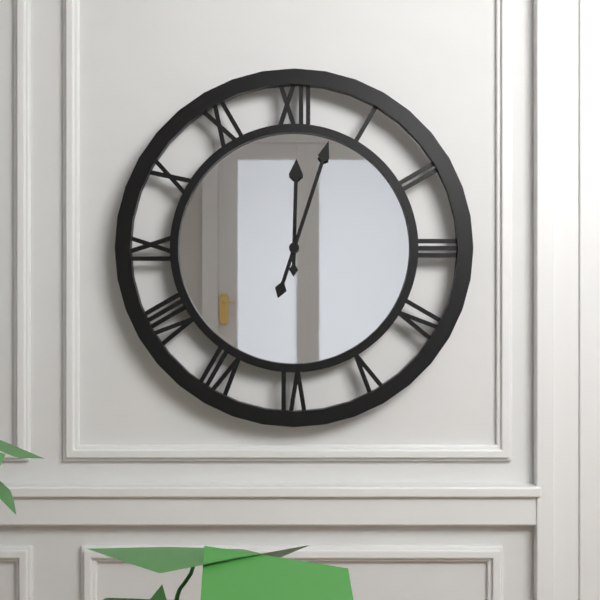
12:03
